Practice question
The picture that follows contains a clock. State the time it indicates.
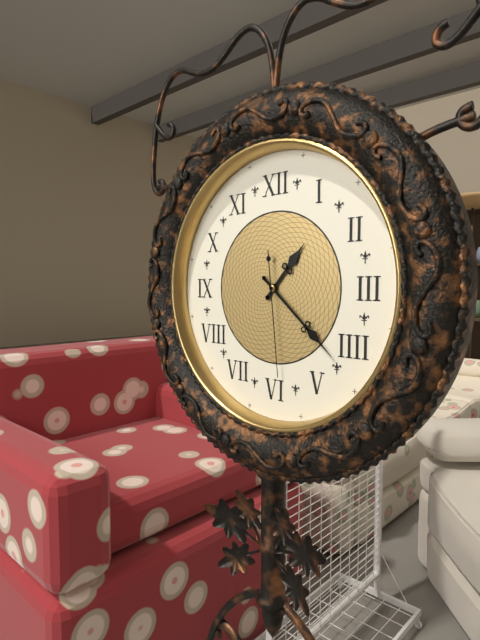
1:22:29
